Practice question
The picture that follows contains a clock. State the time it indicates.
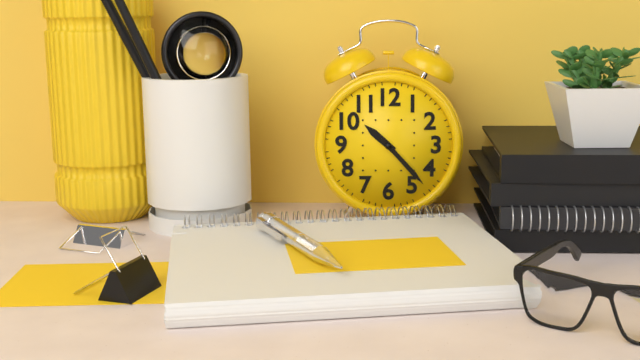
10:23
